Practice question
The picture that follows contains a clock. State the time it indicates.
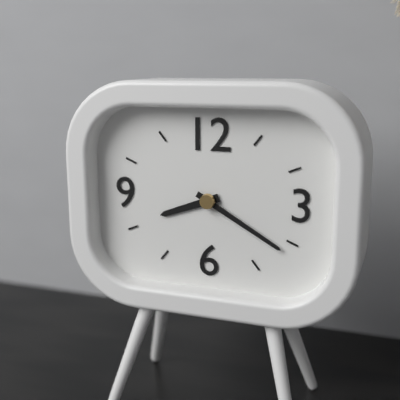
8:20
